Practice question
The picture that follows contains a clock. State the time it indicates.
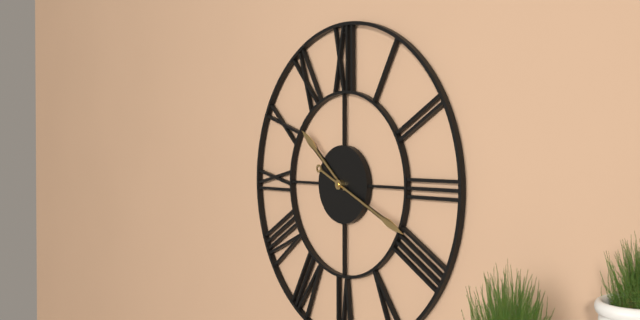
10:19
